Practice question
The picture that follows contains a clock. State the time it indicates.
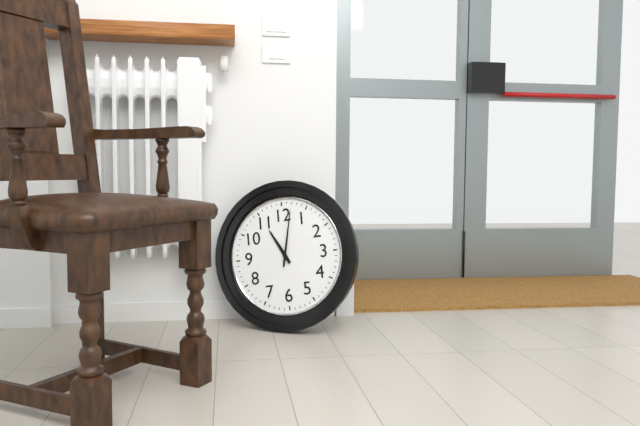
11:02
